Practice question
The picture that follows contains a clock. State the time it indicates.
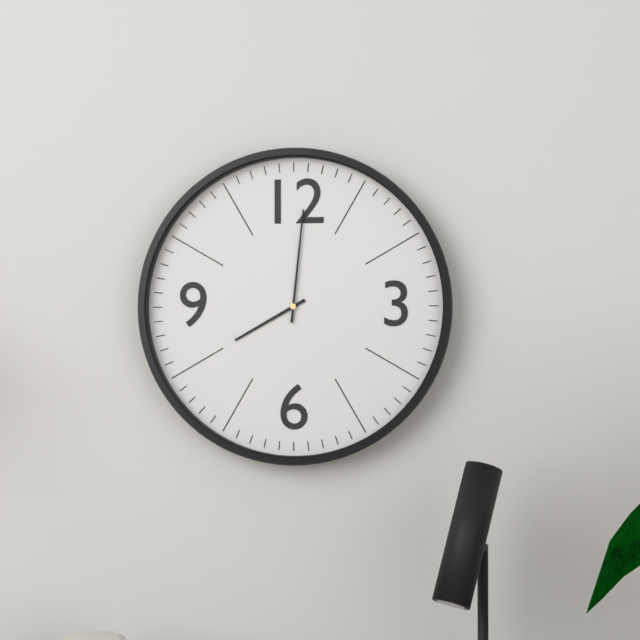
8:01
